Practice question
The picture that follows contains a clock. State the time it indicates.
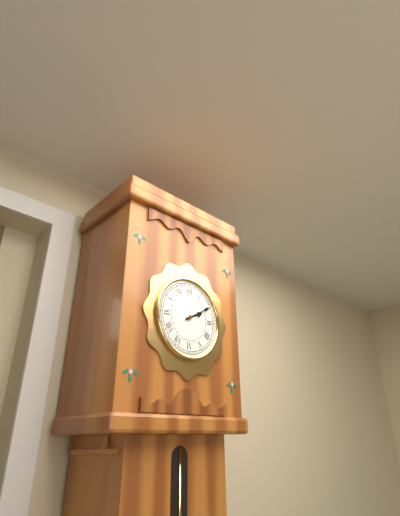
2:10
